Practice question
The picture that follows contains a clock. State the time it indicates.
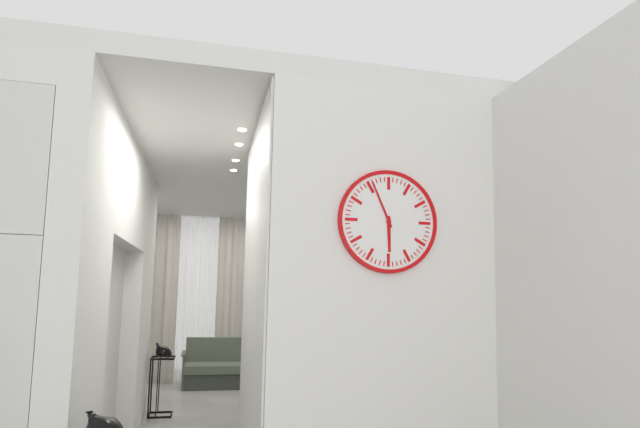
5:56
